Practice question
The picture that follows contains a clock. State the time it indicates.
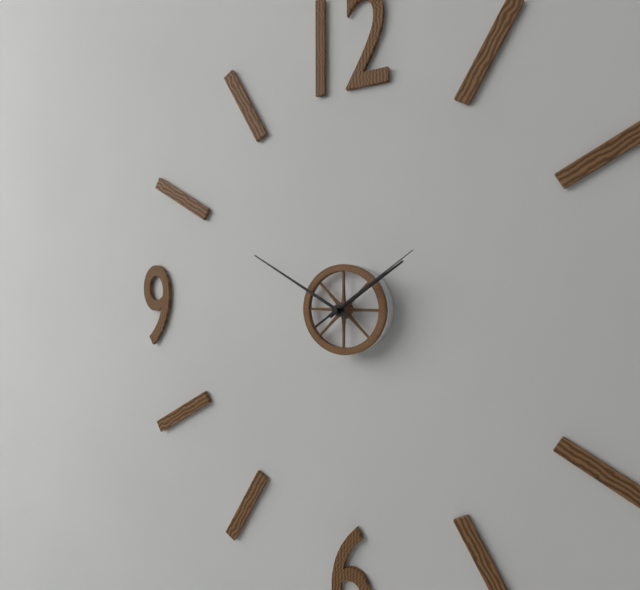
1:50:09
